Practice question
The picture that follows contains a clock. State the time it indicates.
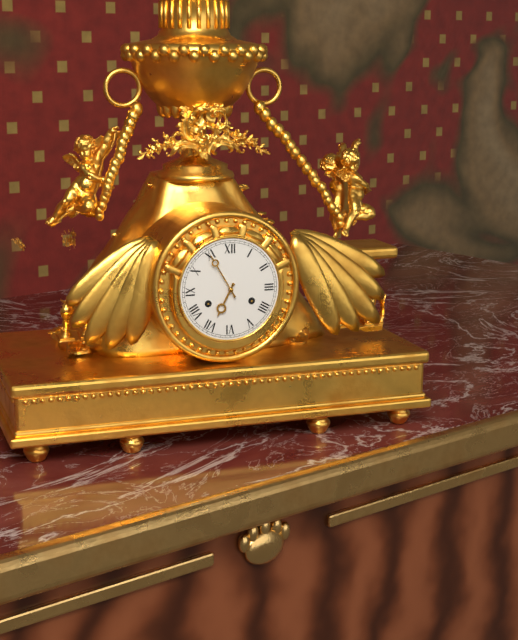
6:55
